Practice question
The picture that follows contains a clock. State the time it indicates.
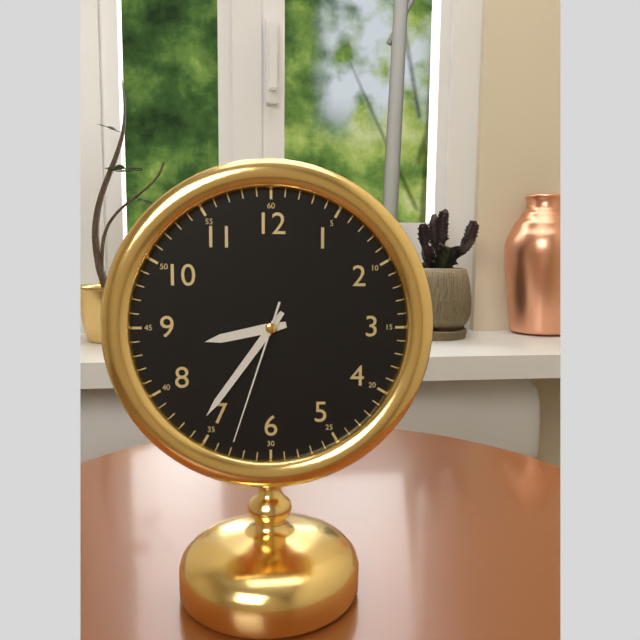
8:36:33
